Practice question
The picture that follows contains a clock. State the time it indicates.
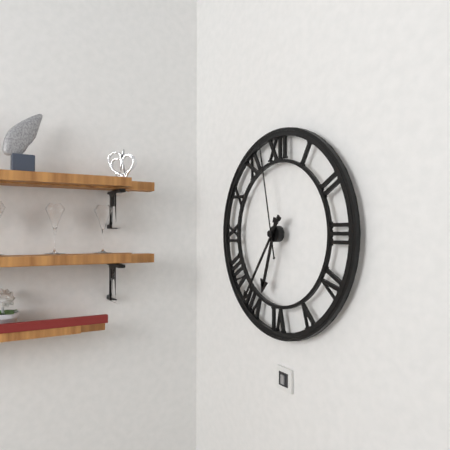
6:36:58
